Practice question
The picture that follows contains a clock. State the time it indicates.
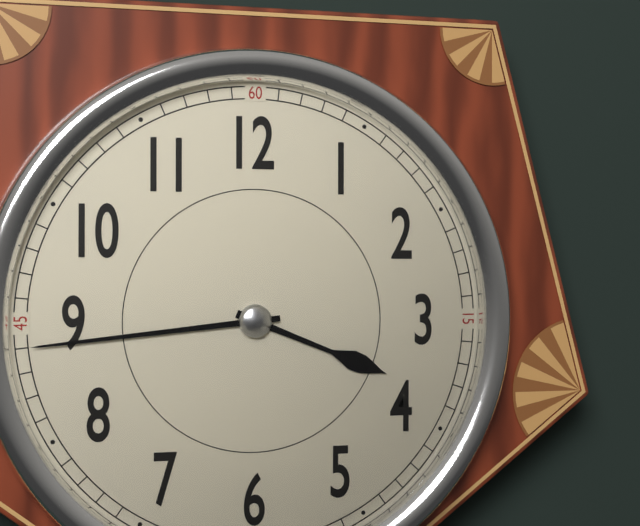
3:44
